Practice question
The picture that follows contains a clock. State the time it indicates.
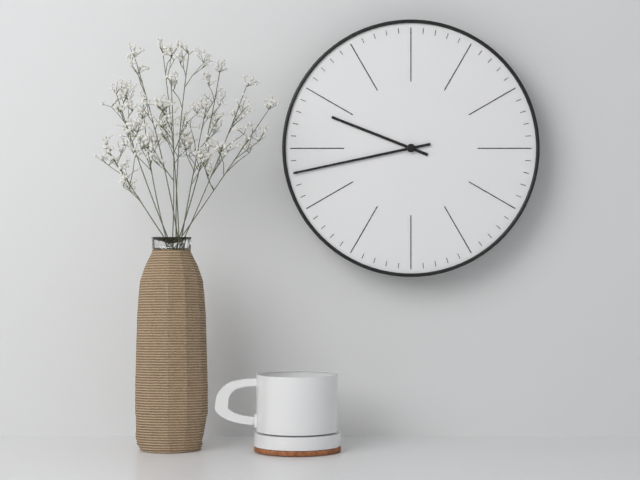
9:43
